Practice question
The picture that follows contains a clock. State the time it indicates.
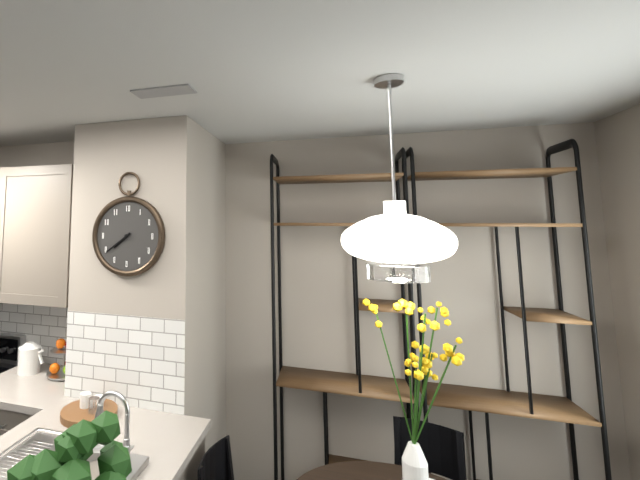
7:39
